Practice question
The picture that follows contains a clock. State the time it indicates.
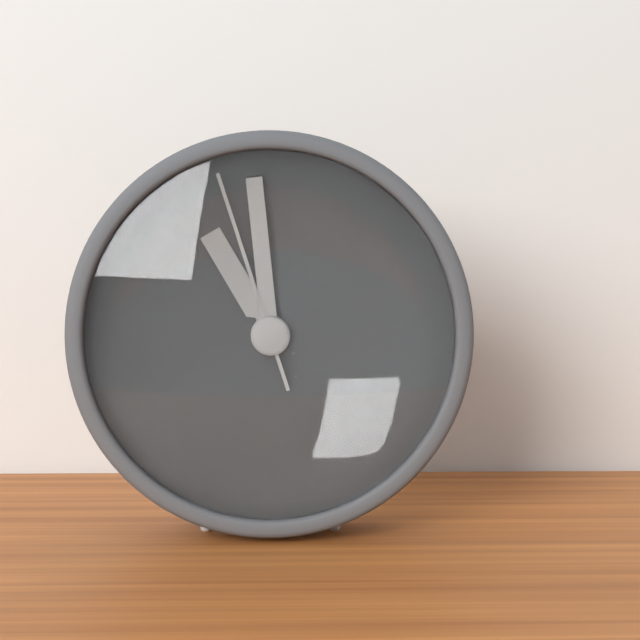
10:59:57
